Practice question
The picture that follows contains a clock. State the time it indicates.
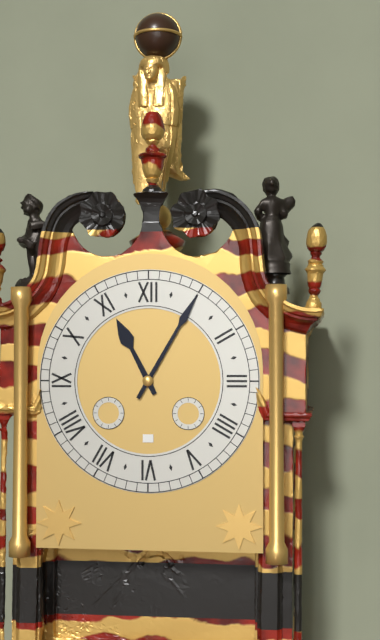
11:05
